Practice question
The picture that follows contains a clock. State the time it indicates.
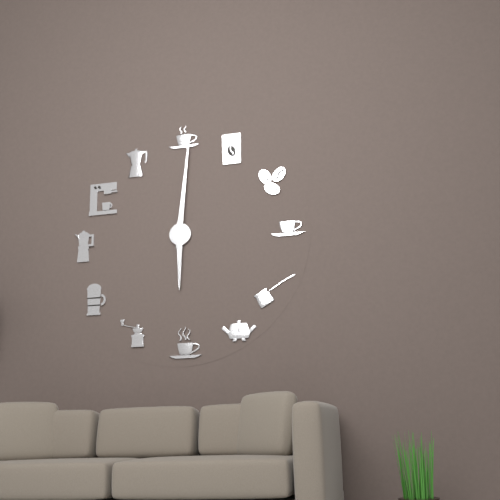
6:01
